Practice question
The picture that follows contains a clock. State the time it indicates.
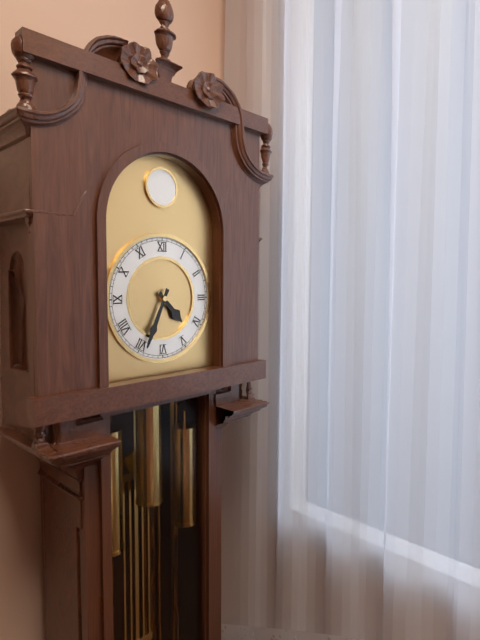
4:34
